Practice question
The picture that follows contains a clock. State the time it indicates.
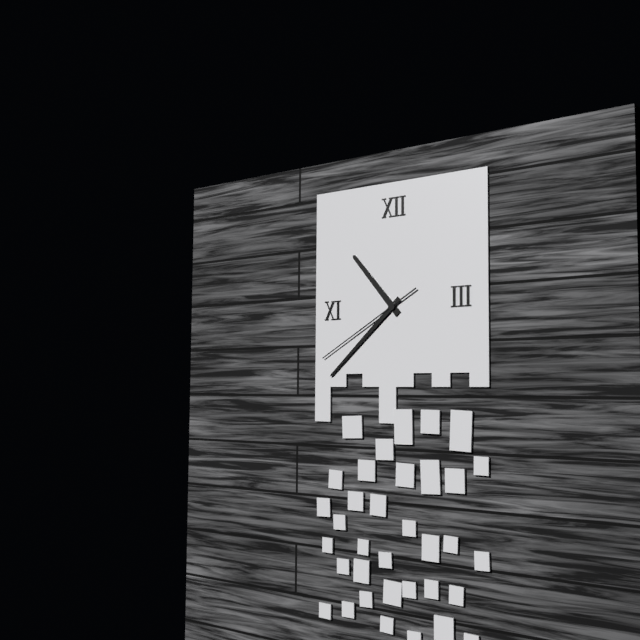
10:38:40
